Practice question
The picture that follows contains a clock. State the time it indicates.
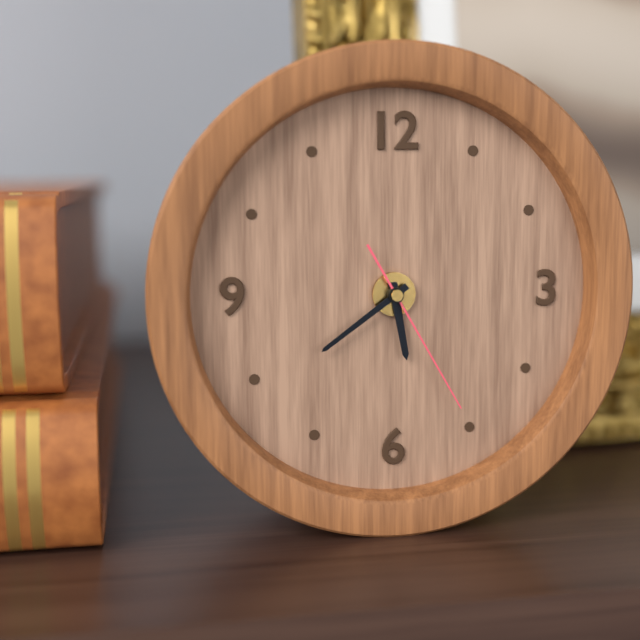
5:39:25
